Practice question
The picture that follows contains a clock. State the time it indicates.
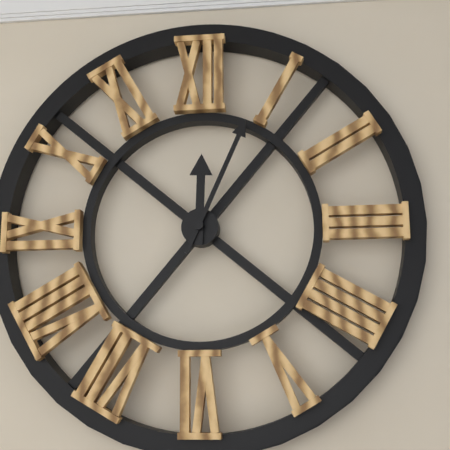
12:04
